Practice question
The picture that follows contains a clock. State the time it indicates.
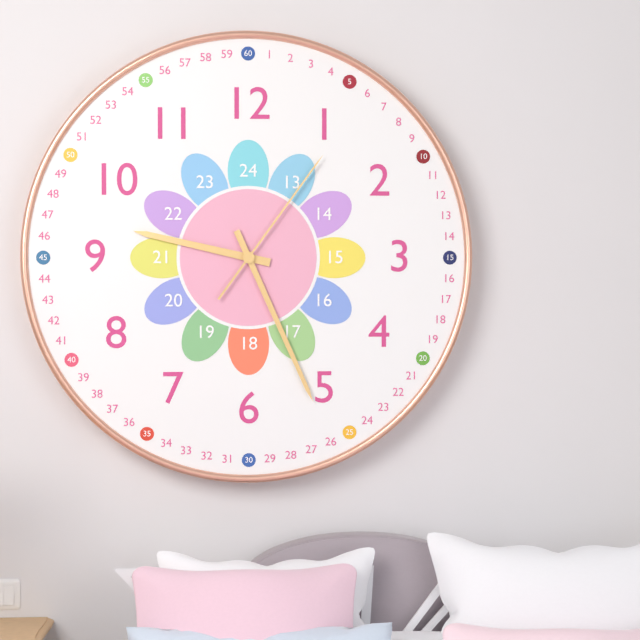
9:26:06
